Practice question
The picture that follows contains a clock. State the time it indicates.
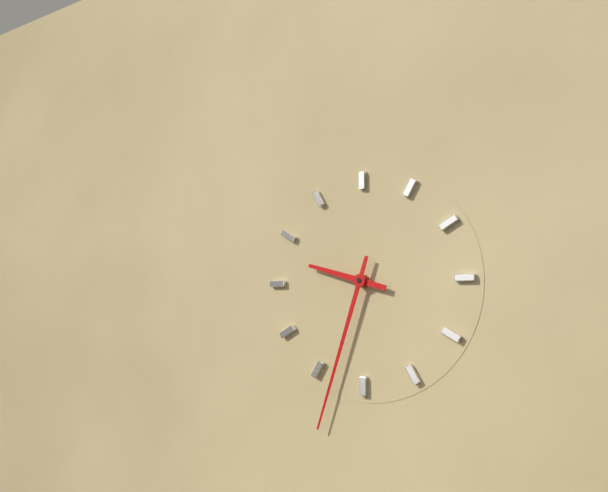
9:33
